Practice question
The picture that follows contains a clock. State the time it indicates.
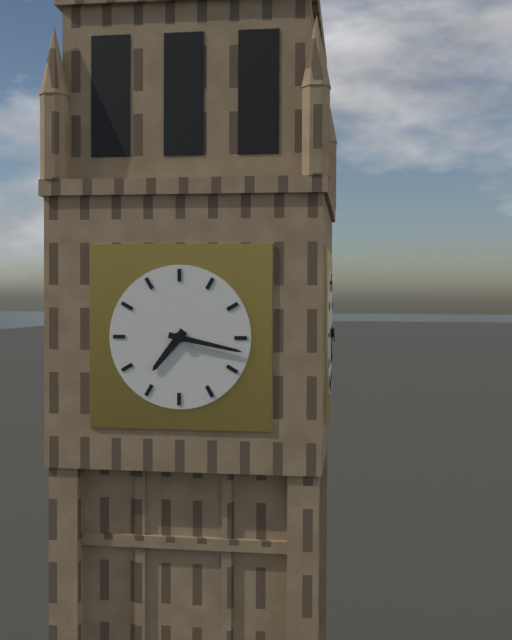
7:17
